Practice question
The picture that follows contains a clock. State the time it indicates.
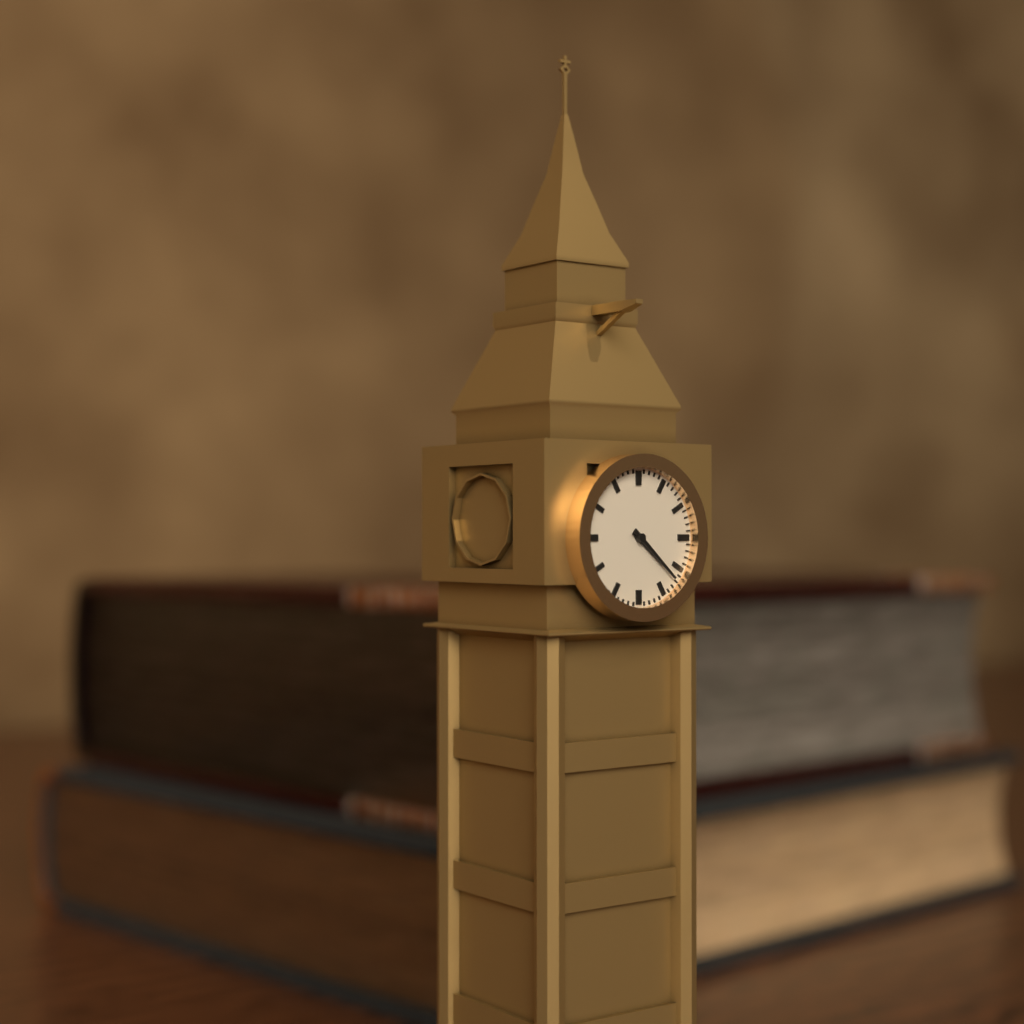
4:22
